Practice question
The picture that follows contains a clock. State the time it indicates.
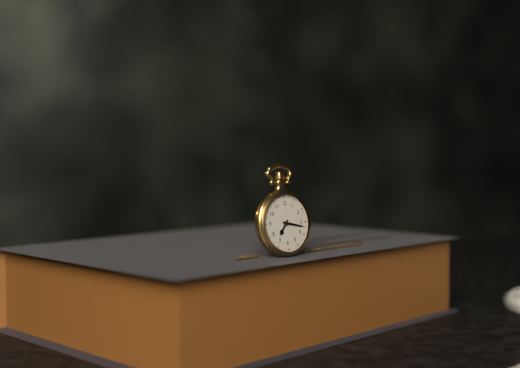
7:17
